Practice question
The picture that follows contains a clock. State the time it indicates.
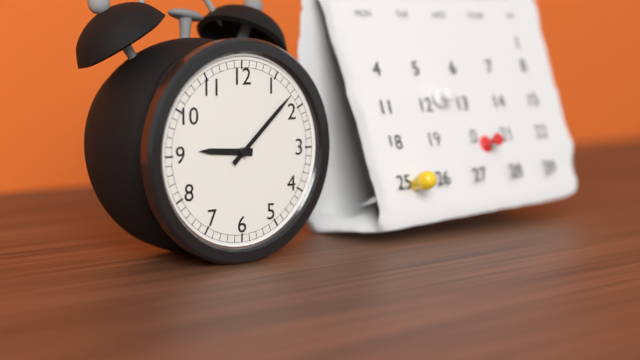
9:08
